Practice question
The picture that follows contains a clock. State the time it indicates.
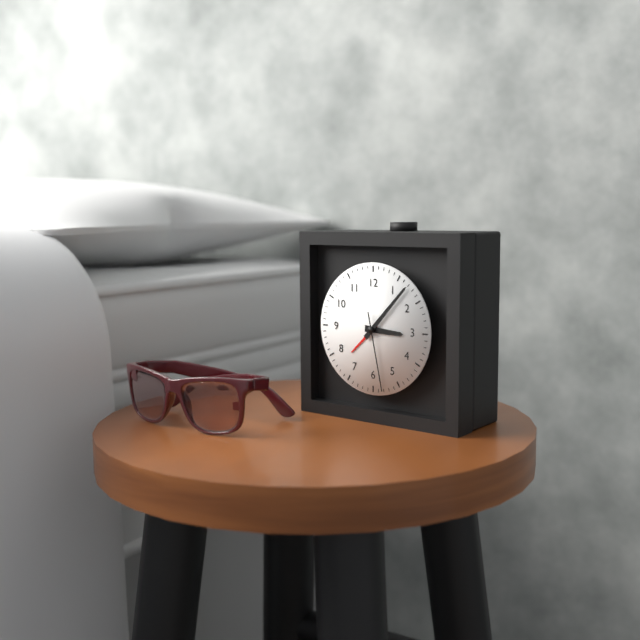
3:07:28
